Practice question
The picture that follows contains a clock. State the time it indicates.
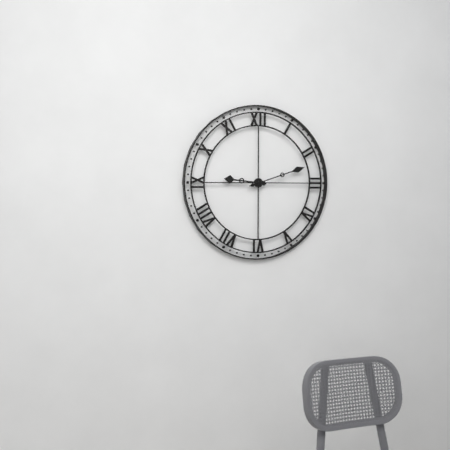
9:12
